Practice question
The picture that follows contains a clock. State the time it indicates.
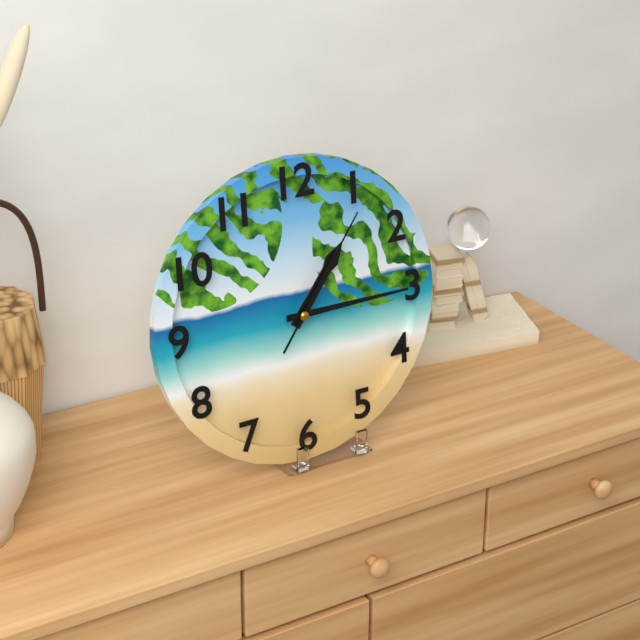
1:15:06
